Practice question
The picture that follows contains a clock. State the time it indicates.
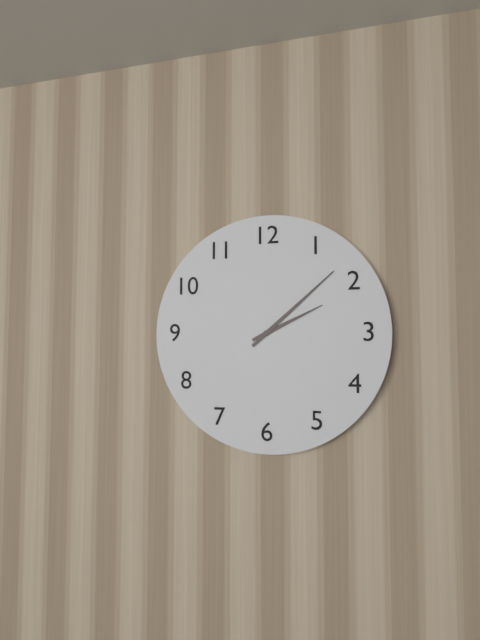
2:08
